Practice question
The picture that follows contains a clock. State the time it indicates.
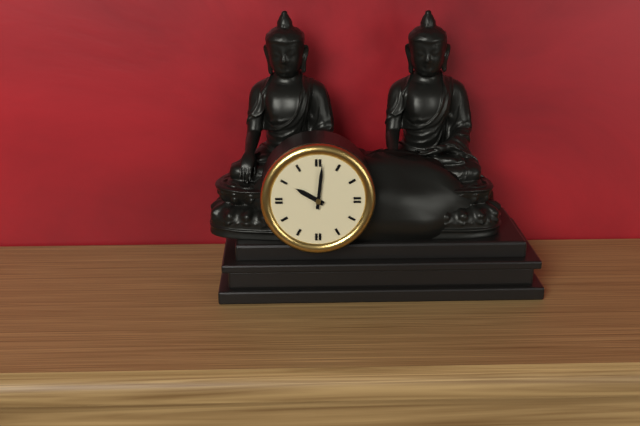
10:01
